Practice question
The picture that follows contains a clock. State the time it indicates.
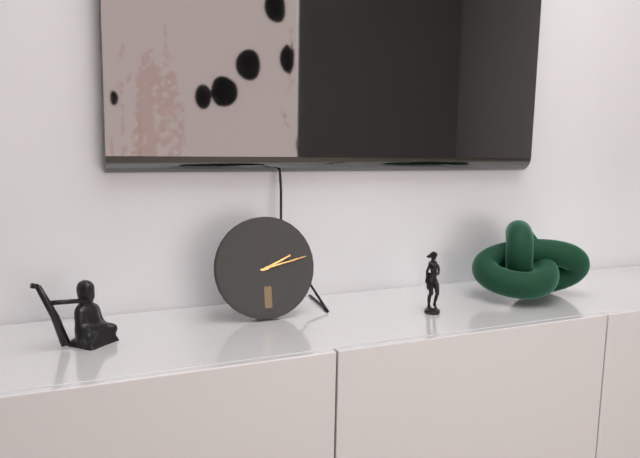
2:13
